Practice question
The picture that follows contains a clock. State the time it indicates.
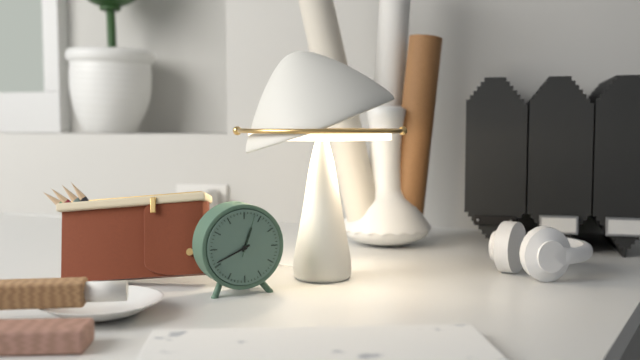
12:41
